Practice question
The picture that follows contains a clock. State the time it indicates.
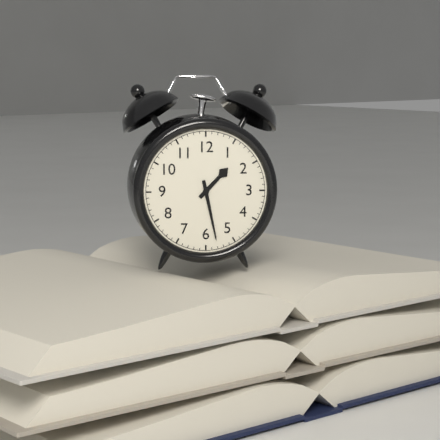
1:28
